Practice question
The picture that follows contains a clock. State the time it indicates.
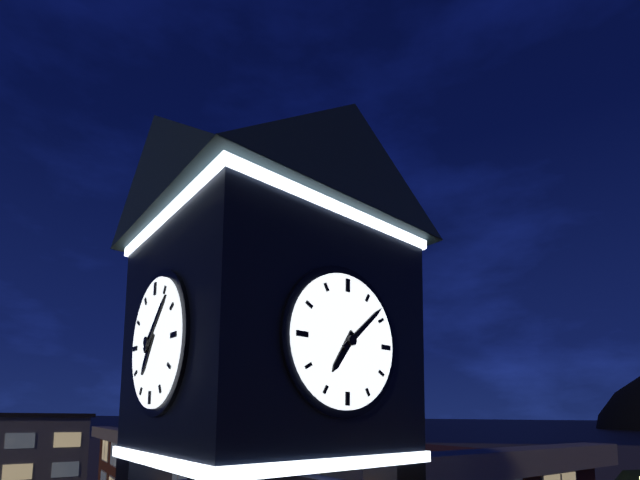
7:08
